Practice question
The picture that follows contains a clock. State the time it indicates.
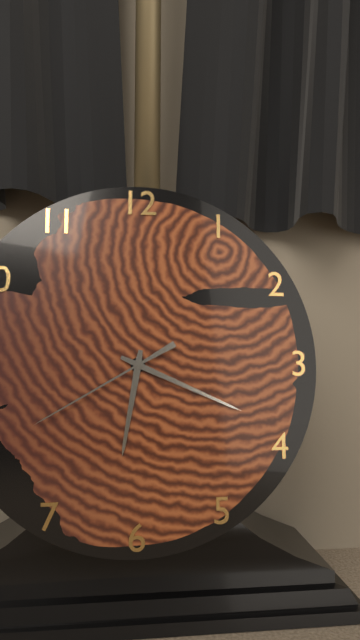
6:19:40
